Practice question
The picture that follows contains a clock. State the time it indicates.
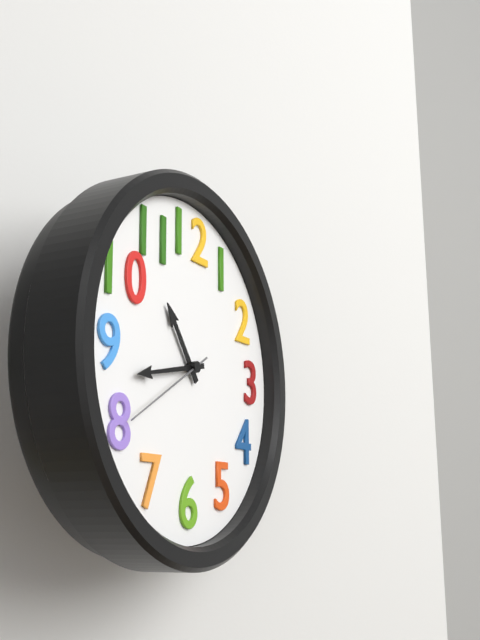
10:43:40
